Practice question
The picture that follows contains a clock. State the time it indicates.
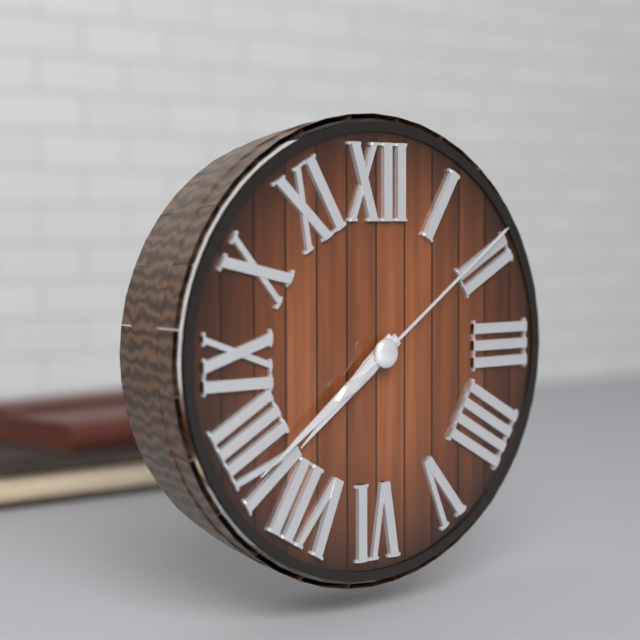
7:39:09
